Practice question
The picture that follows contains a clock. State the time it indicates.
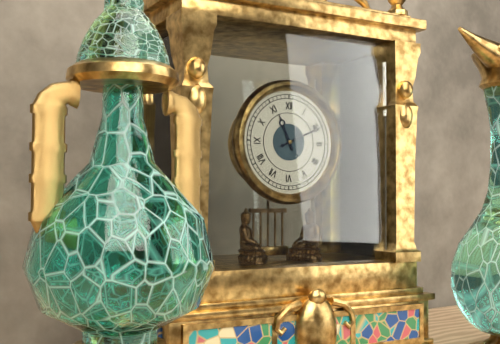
11:11
